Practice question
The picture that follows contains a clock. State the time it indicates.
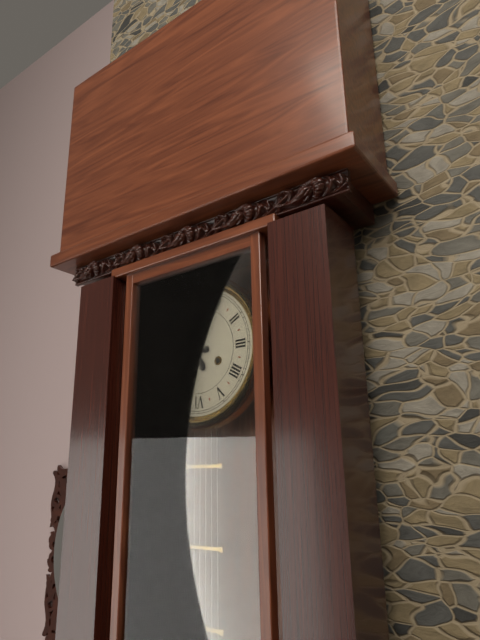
8:57
